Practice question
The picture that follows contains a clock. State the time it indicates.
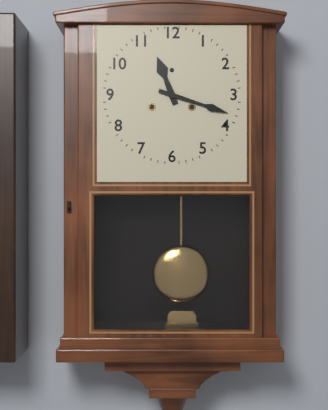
11:18
